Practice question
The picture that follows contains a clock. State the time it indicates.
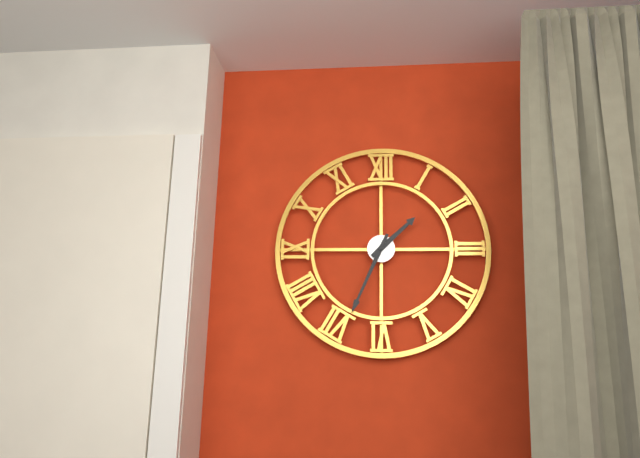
1:34
